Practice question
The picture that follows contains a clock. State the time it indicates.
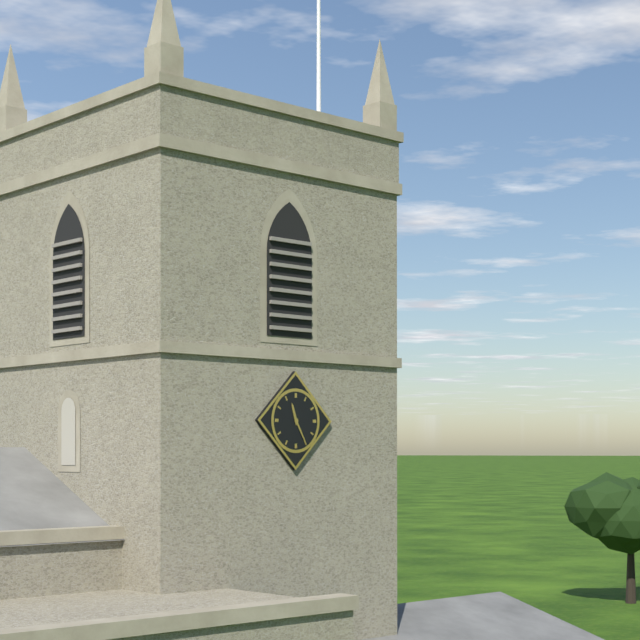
11:25
